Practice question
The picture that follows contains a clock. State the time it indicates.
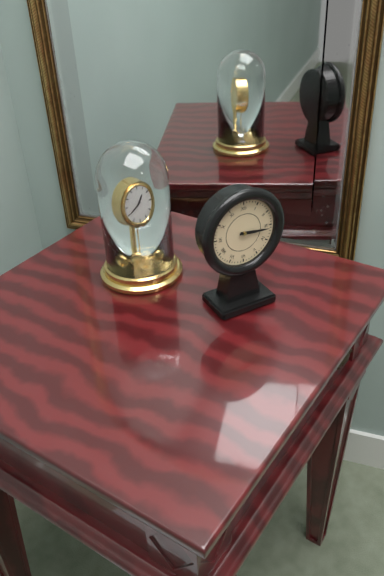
3:16
